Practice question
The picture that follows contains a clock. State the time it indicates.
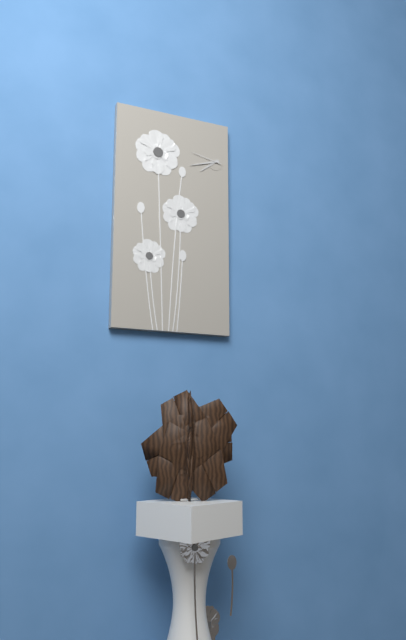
7:42
